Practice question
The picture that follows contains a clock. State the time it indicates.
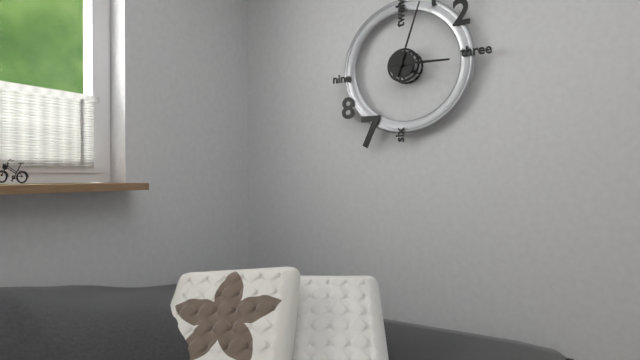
3:03
